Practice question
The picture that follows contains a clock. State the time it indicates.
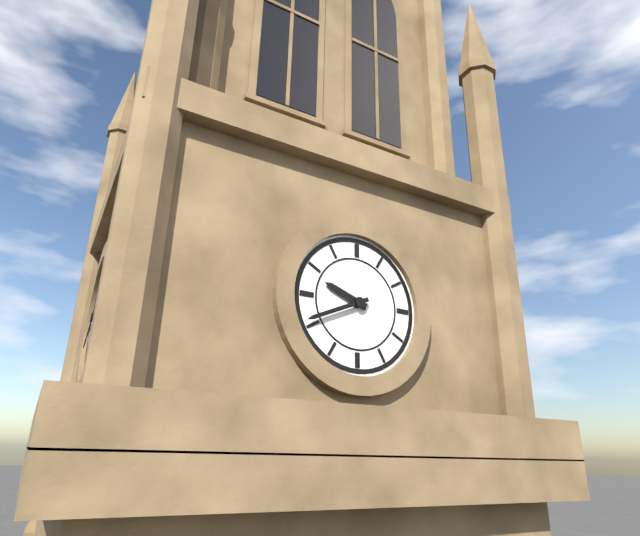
9:41
